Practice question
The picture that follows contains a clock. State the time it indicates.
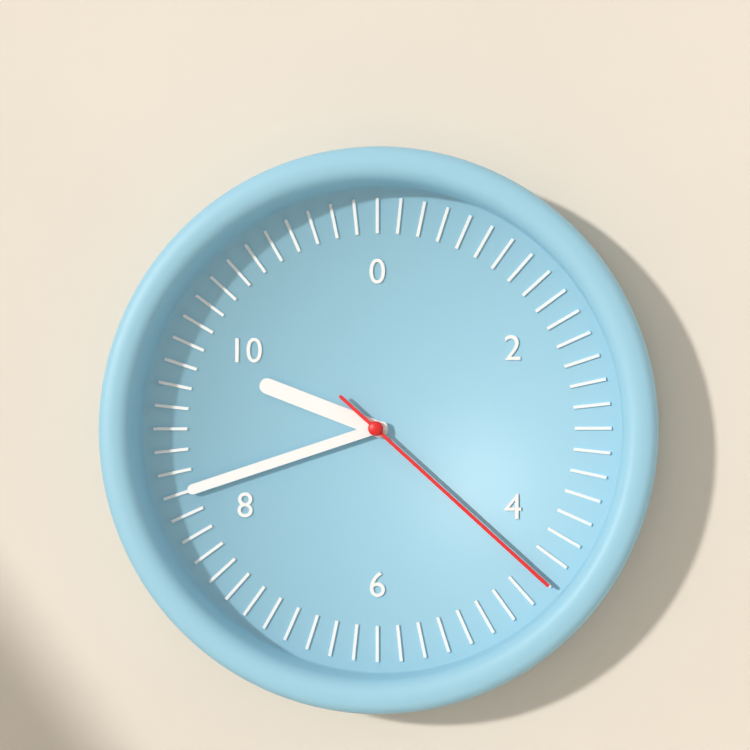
9:42:22
